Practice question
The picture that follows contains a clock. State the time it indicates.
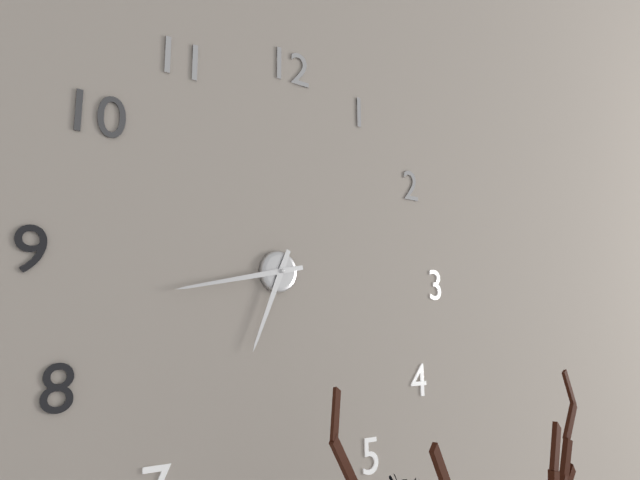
6:43
